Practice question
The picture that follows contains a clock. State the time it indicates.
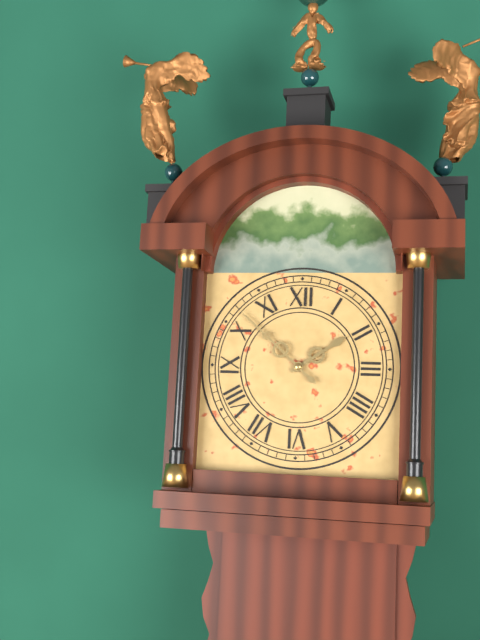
1:52
